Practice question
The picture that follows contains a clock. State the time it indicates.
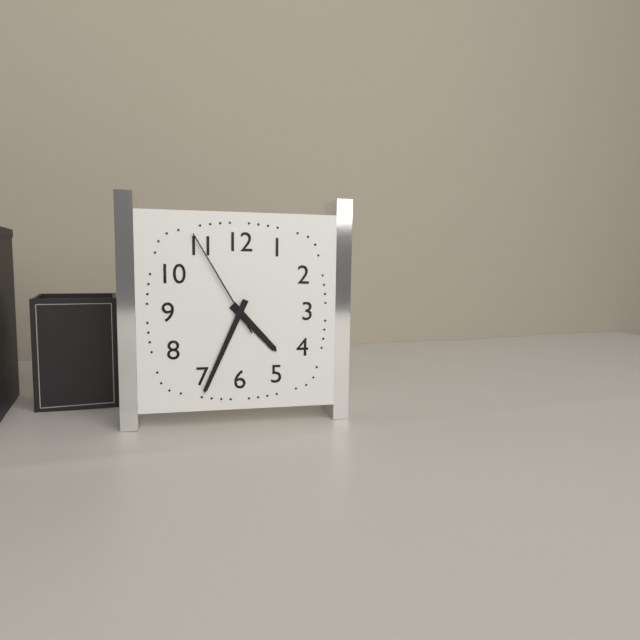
4:34:55
